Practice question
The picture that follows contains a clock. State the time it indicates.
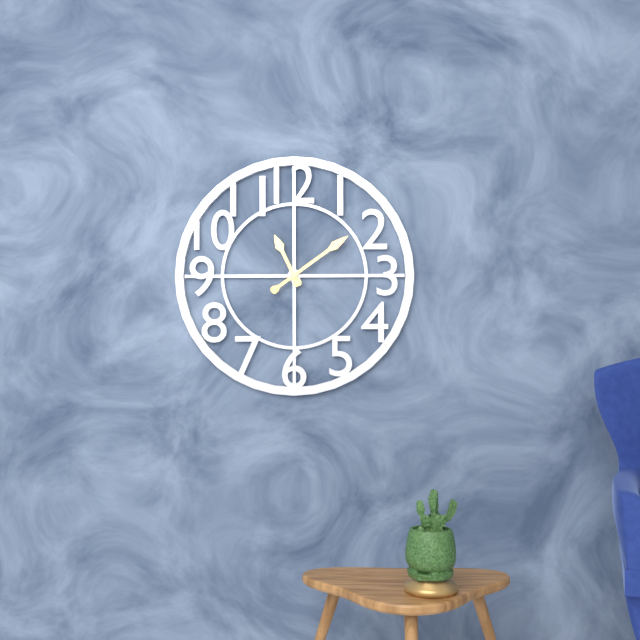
11:09
